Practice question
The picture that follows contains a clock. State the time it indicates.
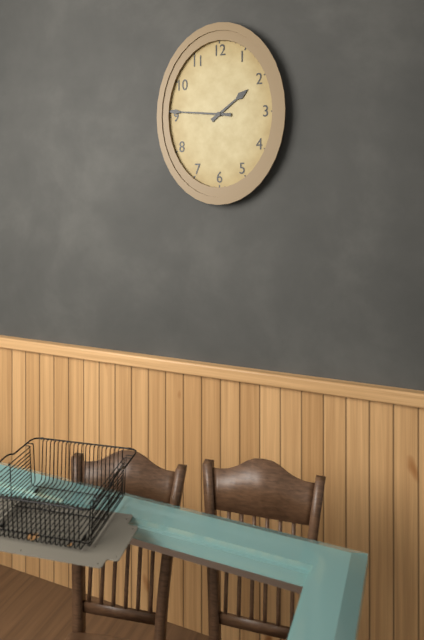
1:46
